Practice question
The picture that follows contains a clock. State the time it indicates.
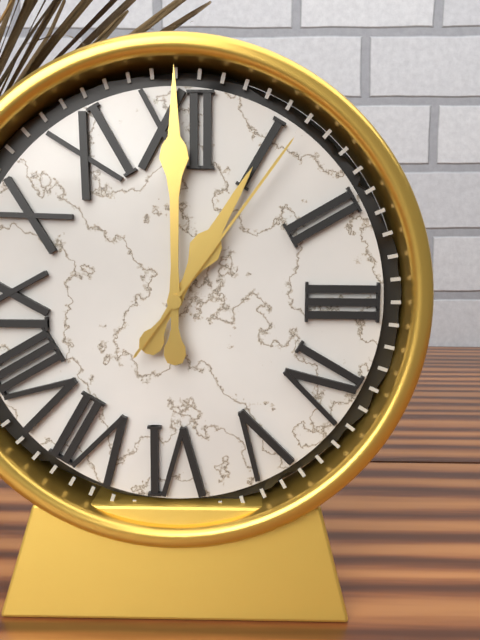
1:00:06
